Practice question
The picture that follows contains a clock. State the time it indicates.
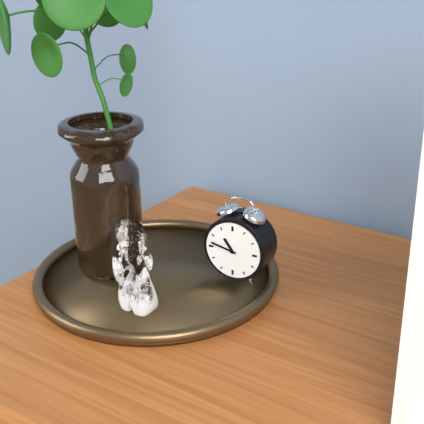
10:47
